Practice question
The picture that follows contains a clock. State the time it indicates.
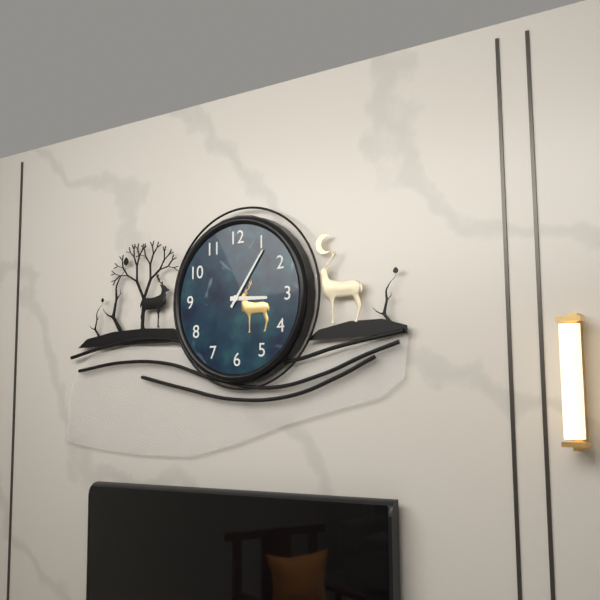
3:06
